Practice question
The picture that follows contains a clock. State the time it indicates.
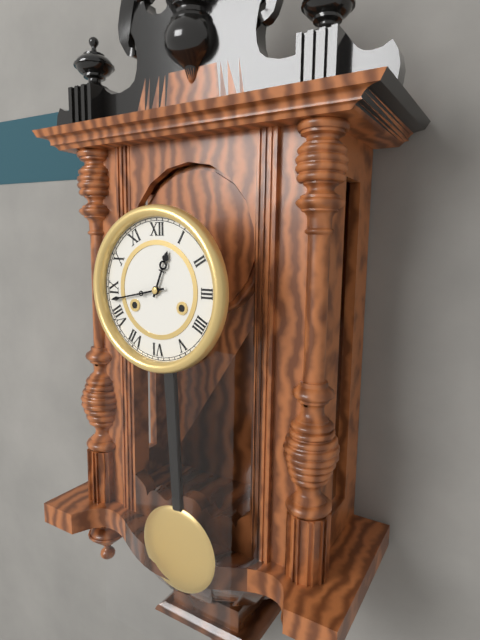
12:43
